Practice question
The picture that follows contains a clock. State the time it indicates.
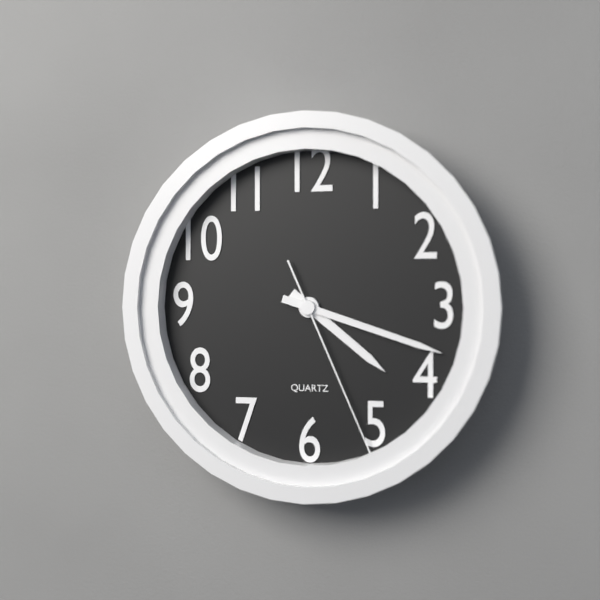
4:18:26
